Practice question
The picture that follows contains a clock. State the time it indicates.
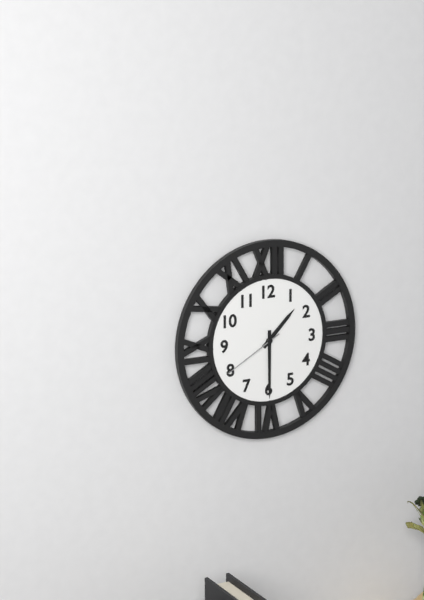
1:30:40
